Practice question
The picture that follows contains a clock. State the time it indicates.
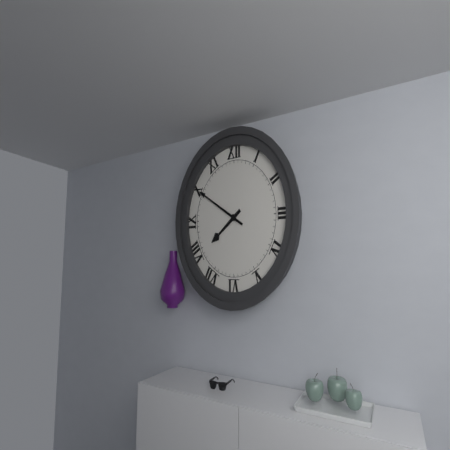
7:50
